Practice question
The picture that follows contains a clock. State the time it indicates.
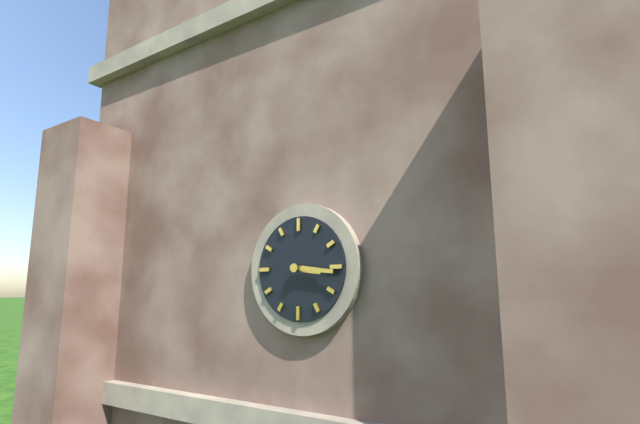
3:16
